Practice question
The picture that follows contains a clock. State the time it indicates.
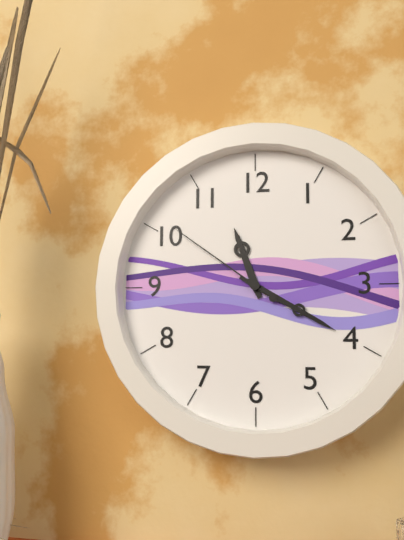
11:20:51
